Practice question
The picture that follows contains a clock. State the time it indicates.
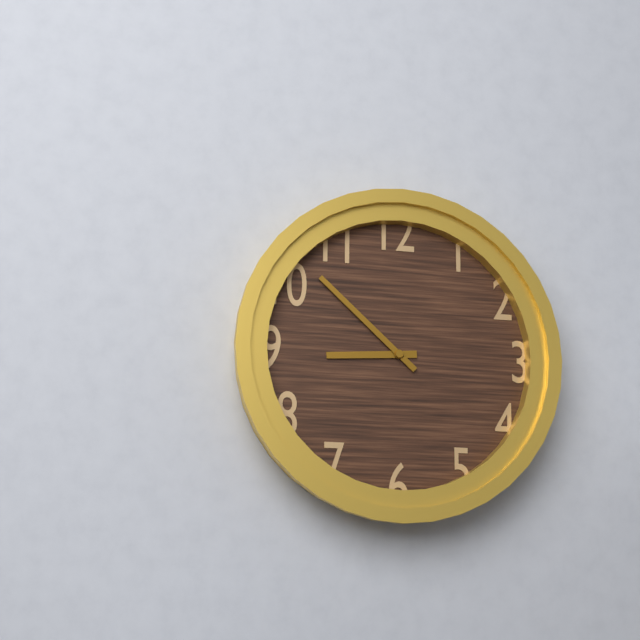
8:52
